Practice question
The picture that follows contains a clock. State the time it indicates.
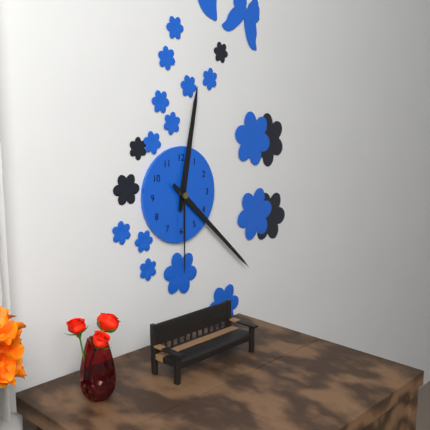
12:22:30
